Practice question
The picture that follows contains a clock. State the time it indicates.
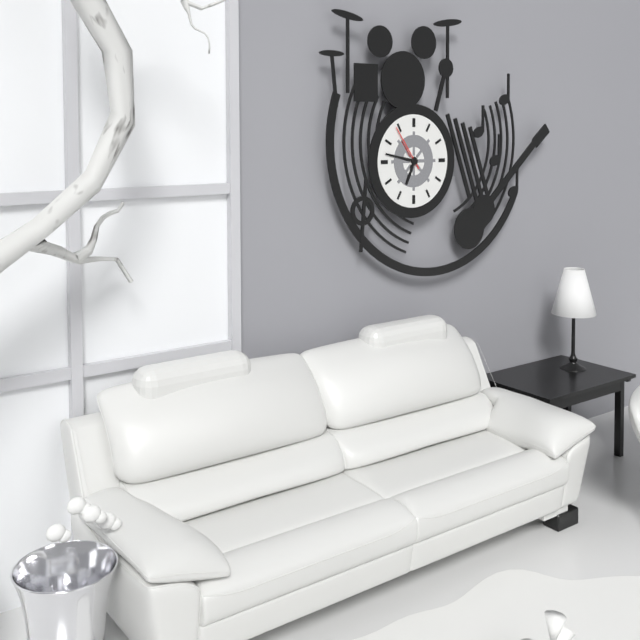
6:47
